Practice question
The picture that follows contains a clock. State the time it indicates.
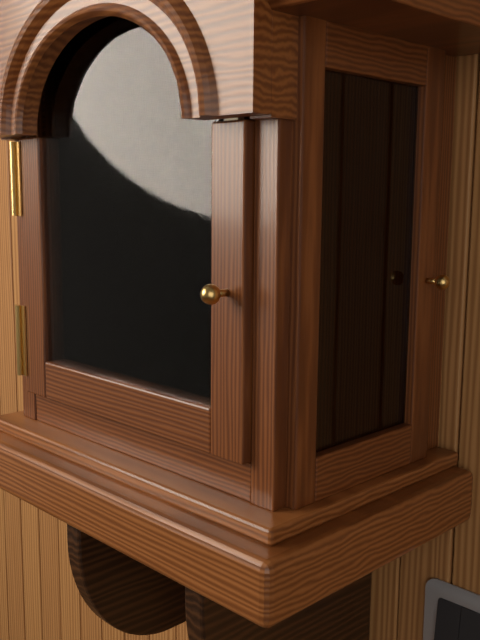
2:21
